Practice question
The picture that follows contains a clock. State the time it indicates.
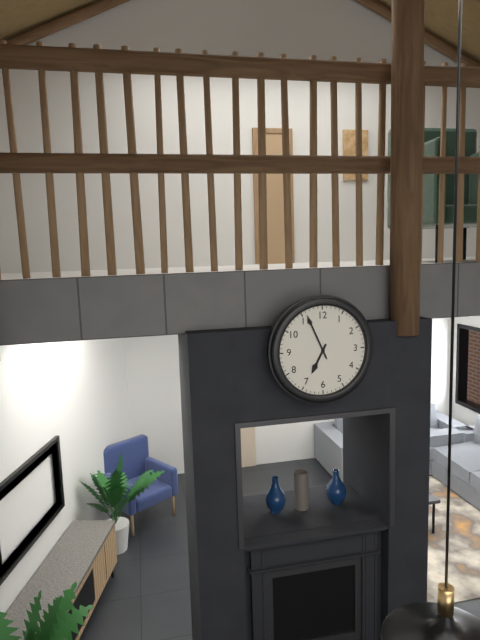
6:56
